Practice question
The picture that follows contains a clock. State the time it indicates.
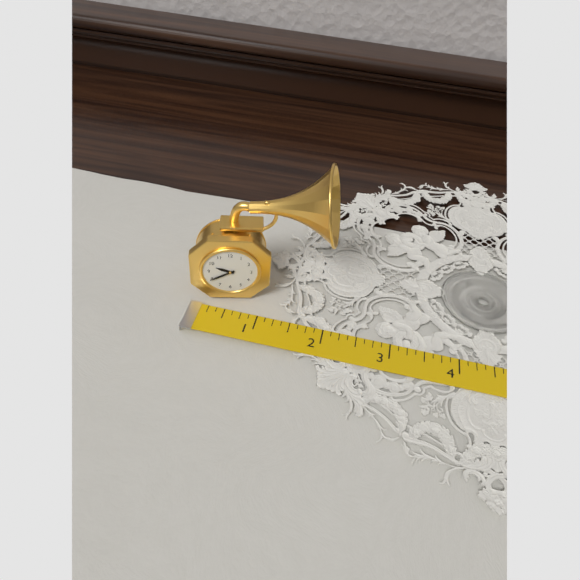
9:40
